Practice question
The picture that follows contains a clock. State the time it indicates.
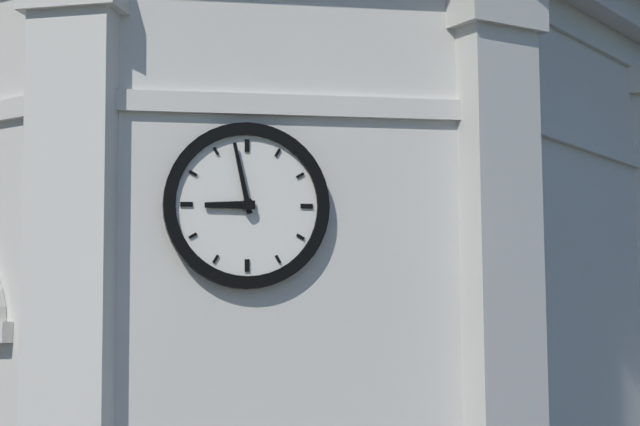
8:58
